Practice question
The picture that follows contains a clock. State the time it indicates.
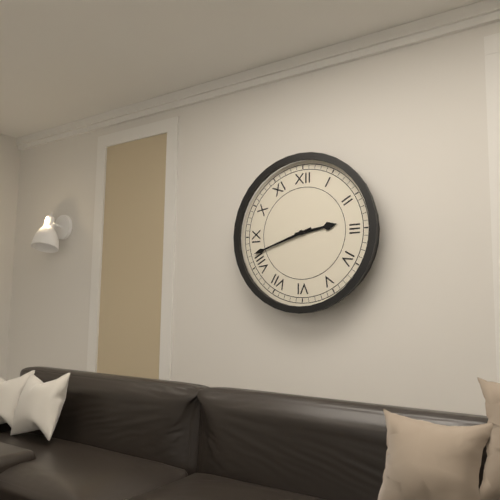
2:42
